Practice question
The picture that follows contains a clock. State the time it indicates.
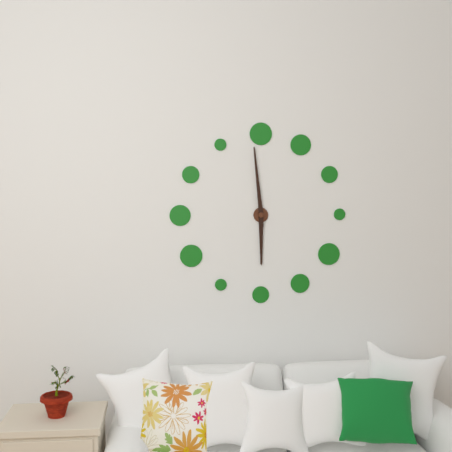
5:59
